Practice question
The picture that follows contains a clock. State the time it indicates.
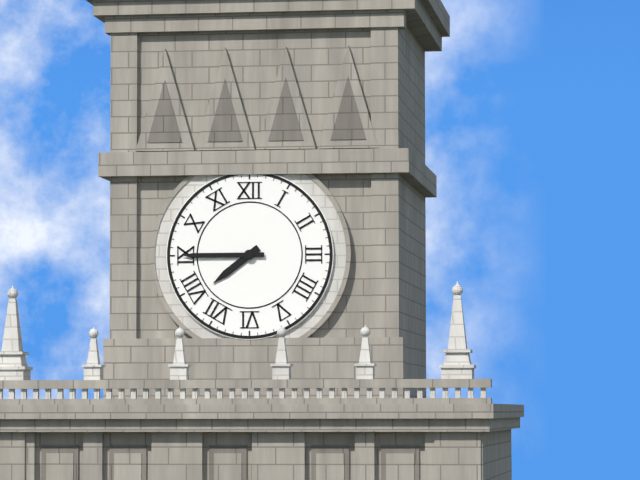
7:45
